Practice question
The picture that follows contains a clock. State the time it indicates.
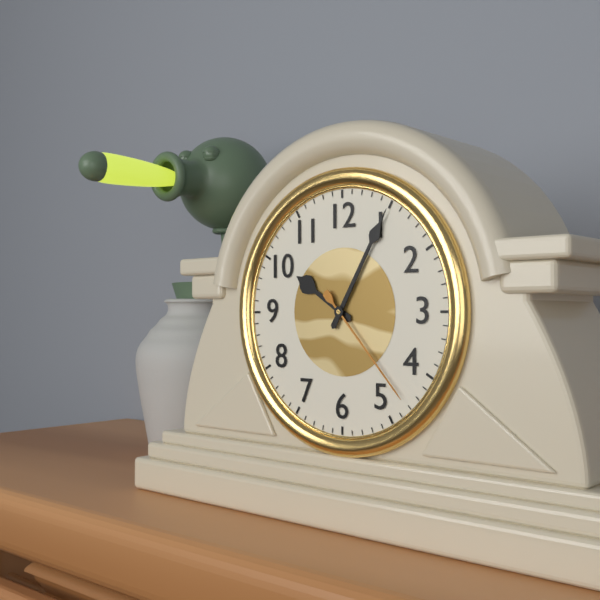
10:05:23
